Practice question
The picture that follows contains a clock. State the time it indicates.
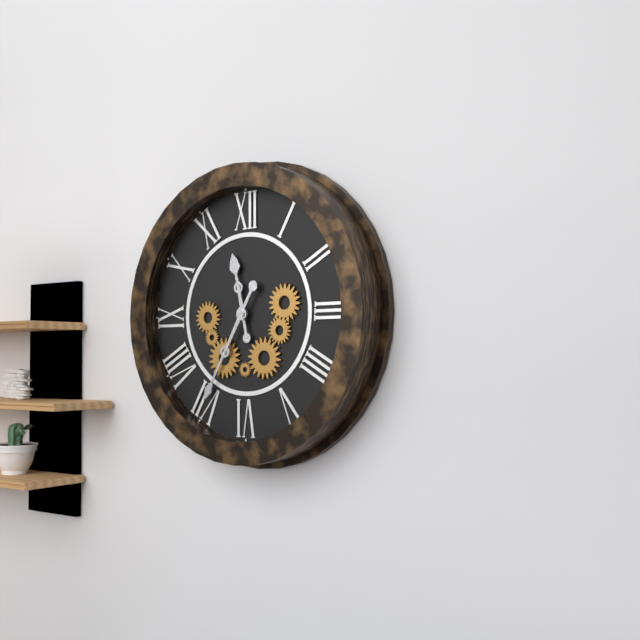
11:35
